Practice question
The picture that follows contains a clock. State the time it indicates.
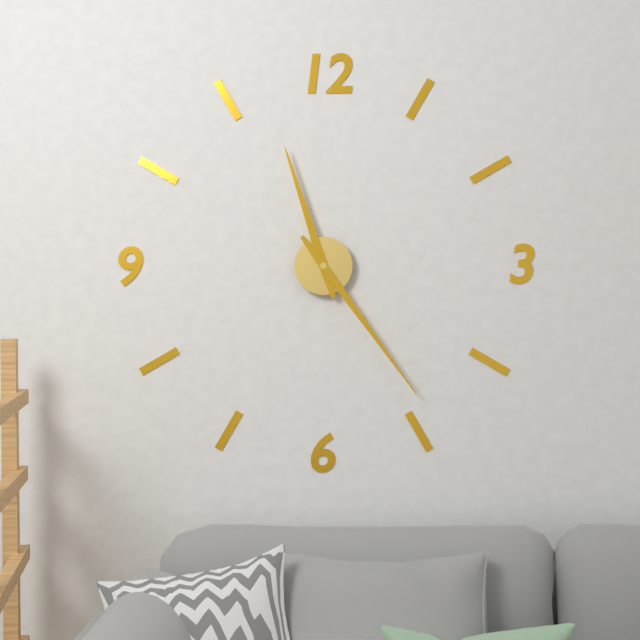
11:24
